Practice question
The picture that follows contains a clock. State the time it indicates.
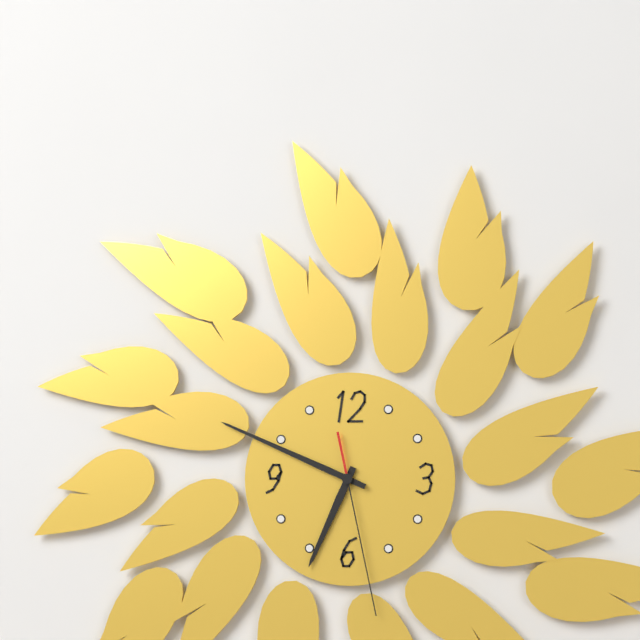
6:49:28
